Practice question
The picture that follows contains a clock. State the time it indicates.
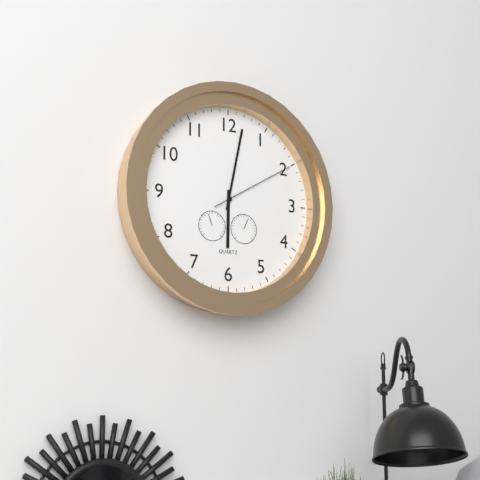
6:02:10
